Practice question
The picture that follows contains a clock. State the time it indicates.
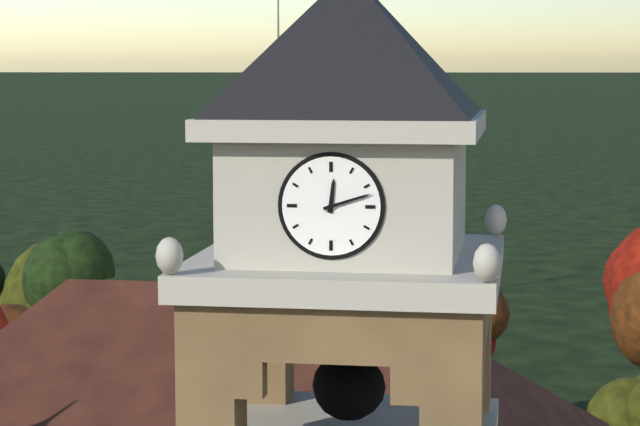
12:12
